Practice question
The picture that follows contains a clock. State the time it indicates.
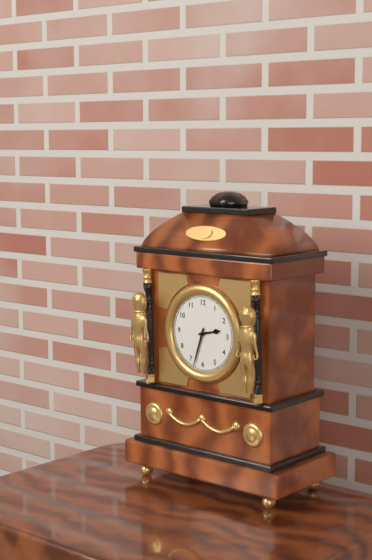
2:33
